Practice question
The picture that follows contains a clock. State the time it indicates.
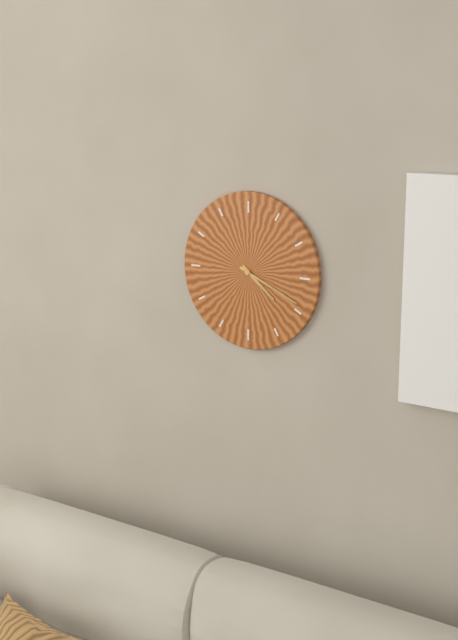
4:19
